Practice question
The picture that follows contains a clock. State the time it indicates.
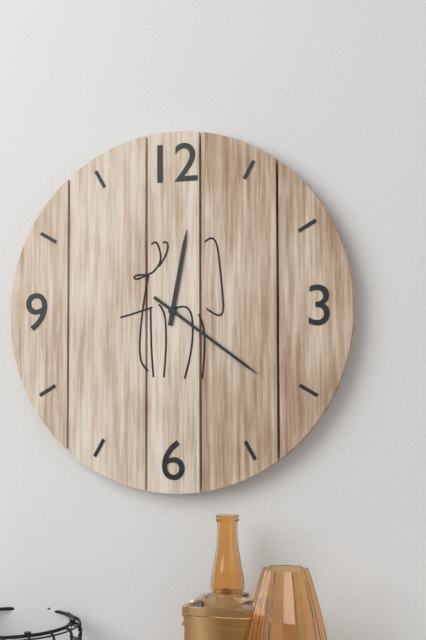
12:21
